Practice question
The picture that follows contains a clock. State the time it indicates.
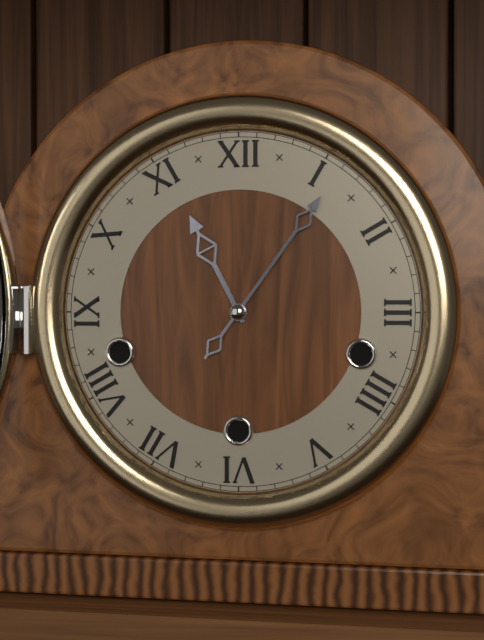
11:06
